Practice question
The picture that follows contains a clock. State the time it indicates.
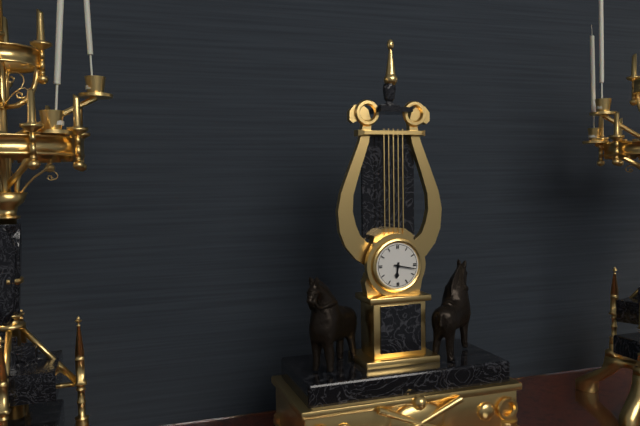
6:17
